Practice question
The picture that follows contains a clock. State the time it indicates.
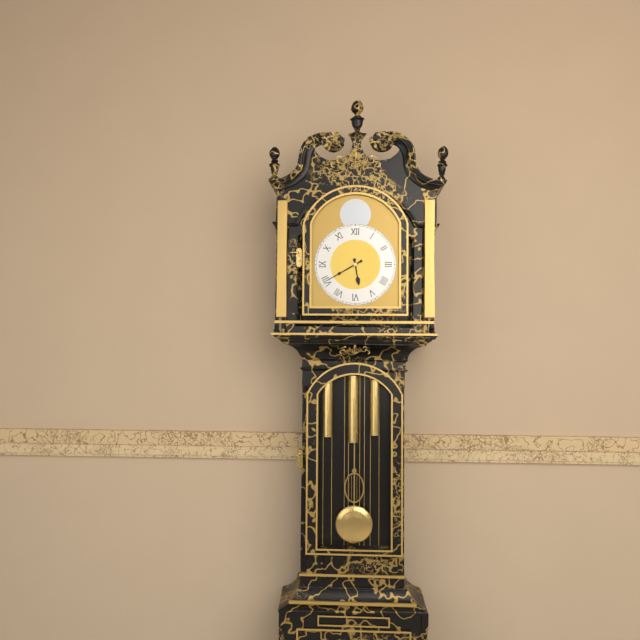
5:40
